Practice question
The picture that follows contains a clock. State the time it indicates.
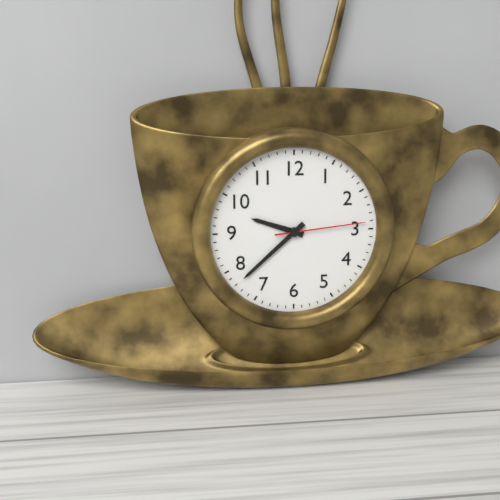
9:38:14
